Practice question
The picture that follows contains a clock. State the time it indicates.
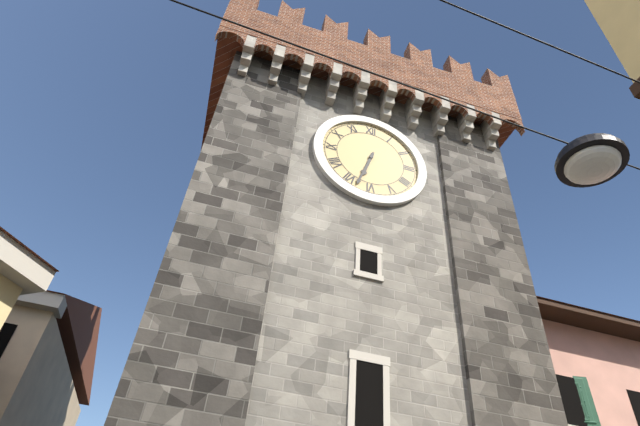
6:33
